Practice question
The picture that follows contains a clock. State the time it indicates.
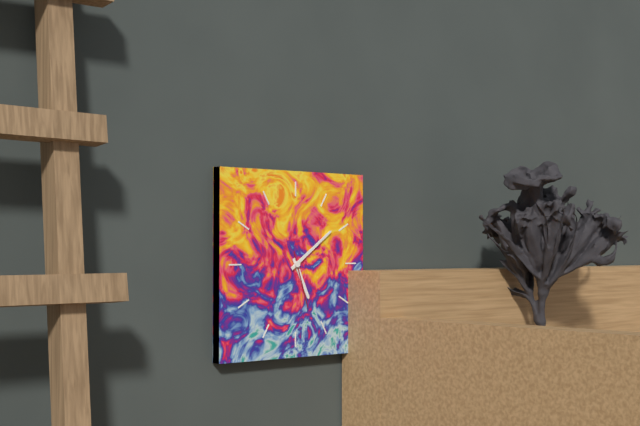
5:09:27
